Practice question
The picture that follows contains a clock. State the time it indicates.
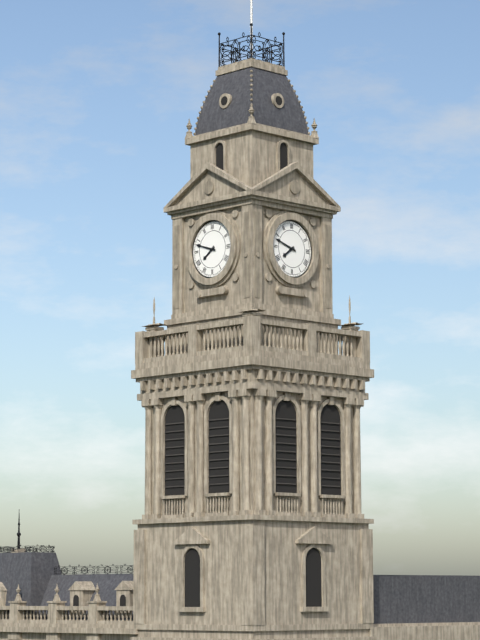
7:48
